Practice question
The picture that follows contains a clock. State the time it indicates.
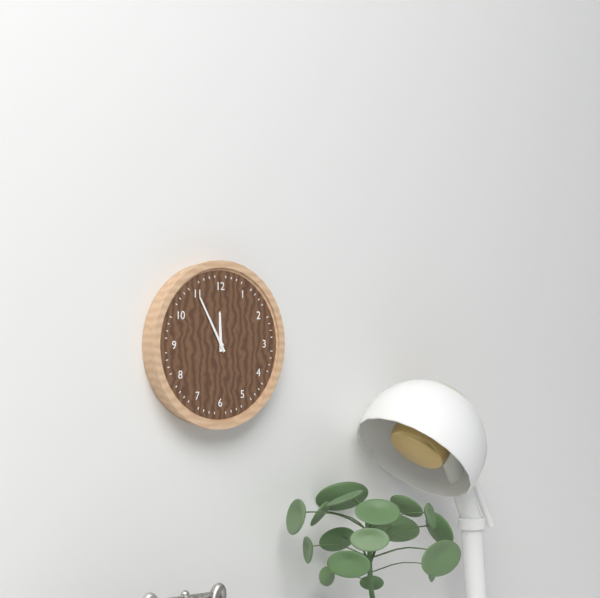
11:55
